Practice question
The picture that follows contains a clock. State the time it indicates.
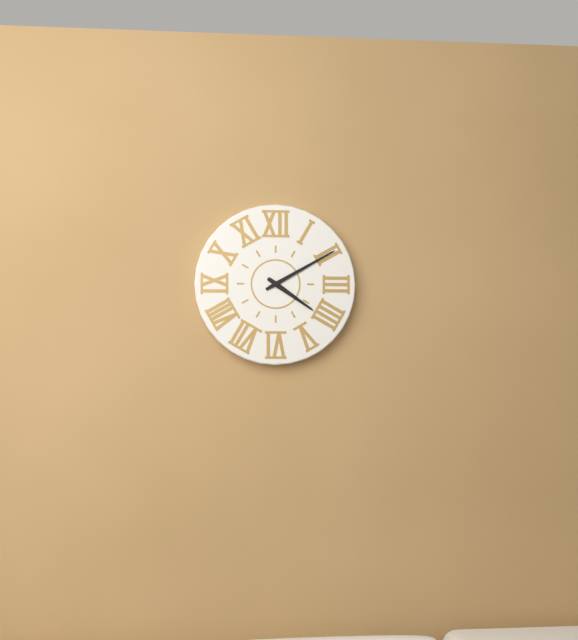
4:10
